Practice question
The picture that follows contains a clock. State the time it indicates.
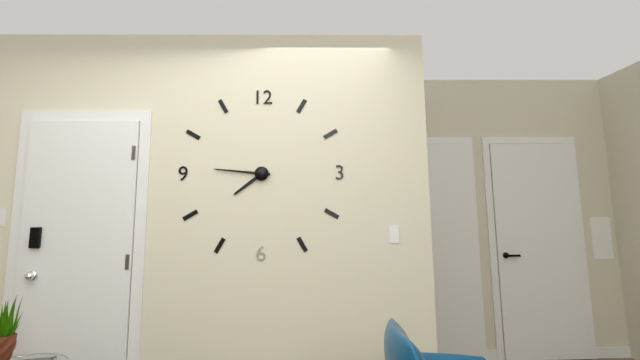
7:46
